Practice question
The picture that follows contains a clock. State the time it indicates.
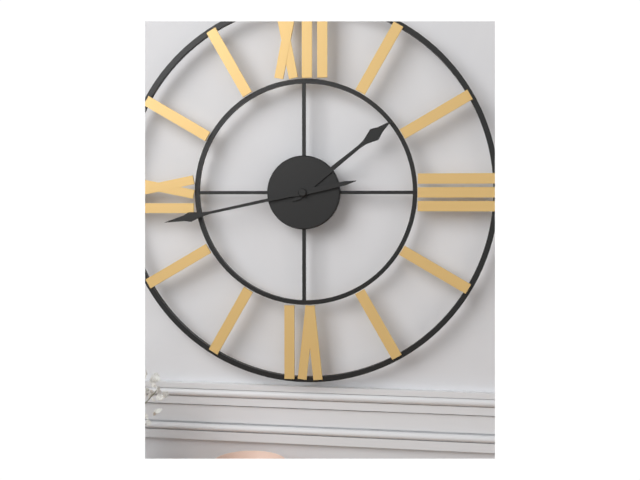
1:43
